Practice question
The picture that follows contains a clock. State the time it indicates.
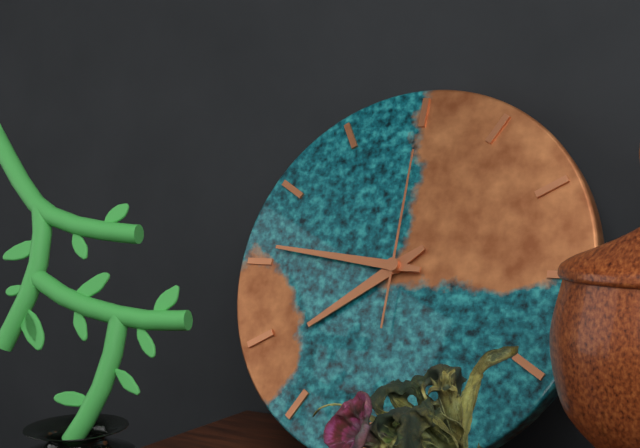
7:46:00
